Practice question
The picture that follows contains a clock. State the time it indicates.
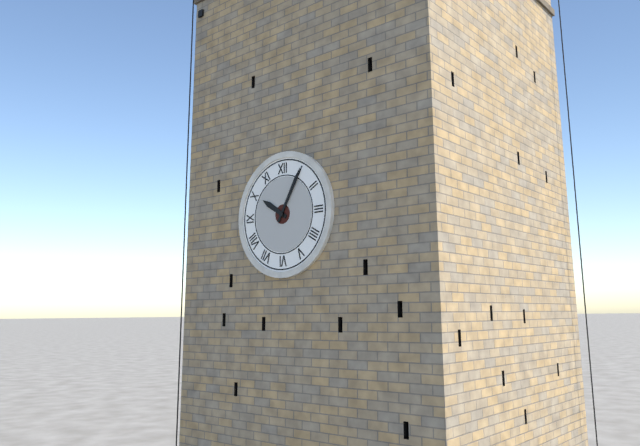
10:05
